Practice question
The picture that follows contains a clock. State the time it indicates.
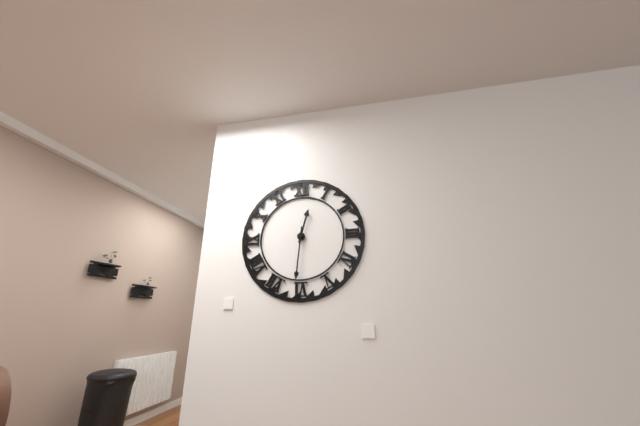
12:31
